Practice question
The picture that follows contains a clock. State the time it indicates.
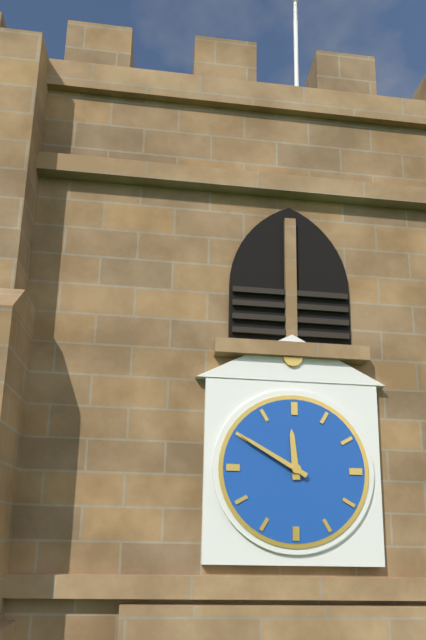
11:50
